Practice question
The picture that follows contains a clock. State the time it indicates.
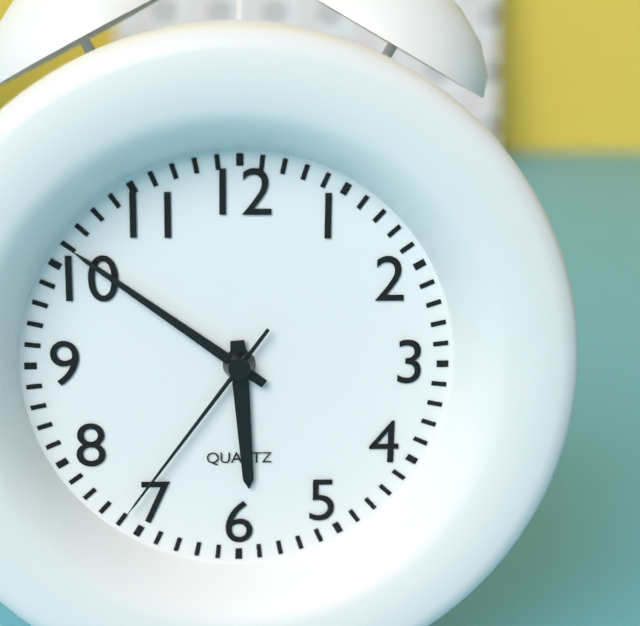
5:51:36
